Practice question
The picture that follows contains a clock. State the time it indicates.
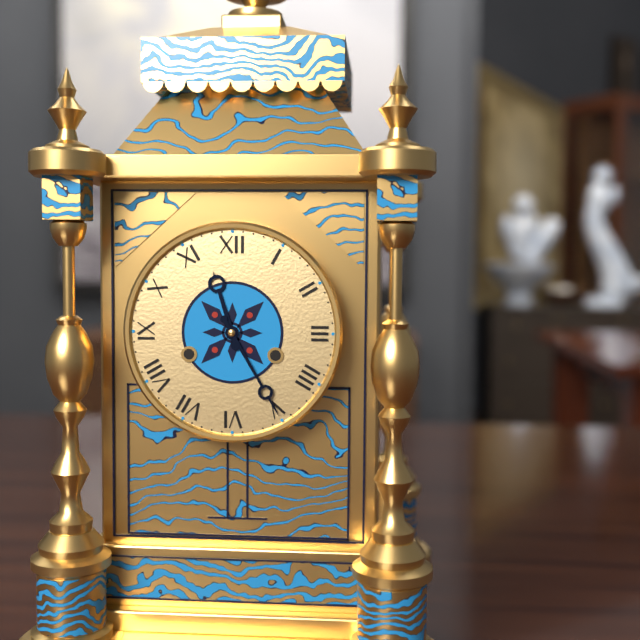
11:25
